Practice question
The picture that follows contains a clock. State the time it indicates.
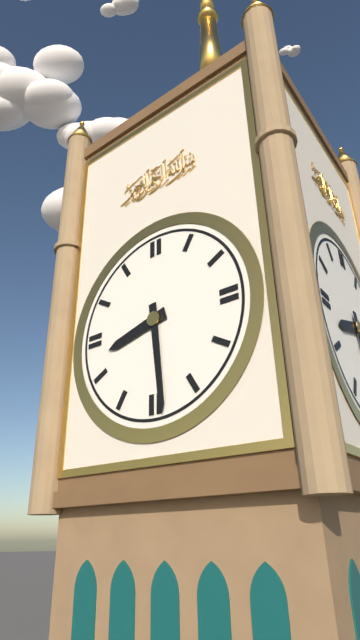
8:29
